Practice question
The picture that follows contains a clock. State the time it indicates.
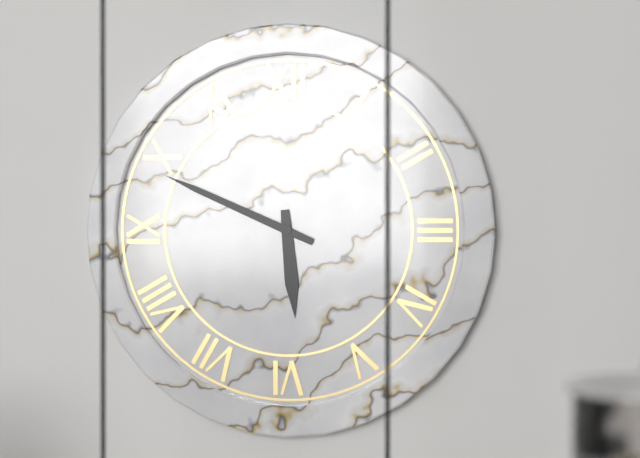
5:49
